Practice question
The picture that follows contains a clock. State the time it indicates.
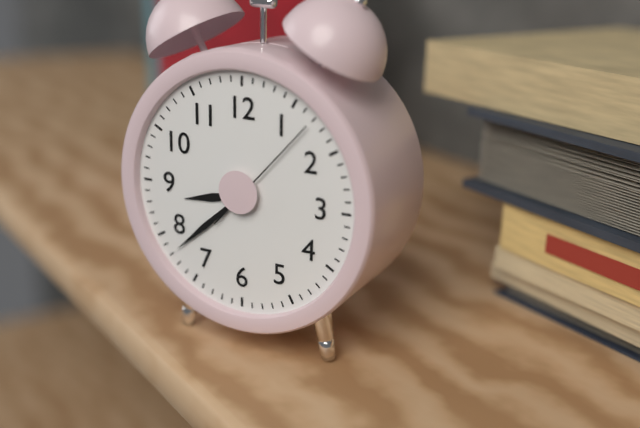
8:38:07
